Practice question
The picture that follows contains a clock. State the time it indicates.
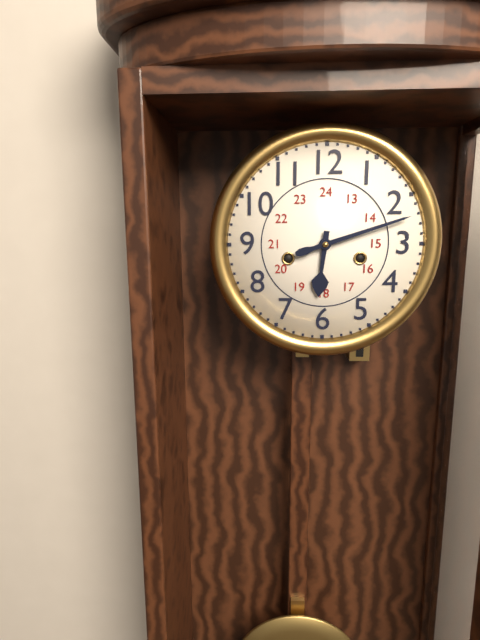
6:12
